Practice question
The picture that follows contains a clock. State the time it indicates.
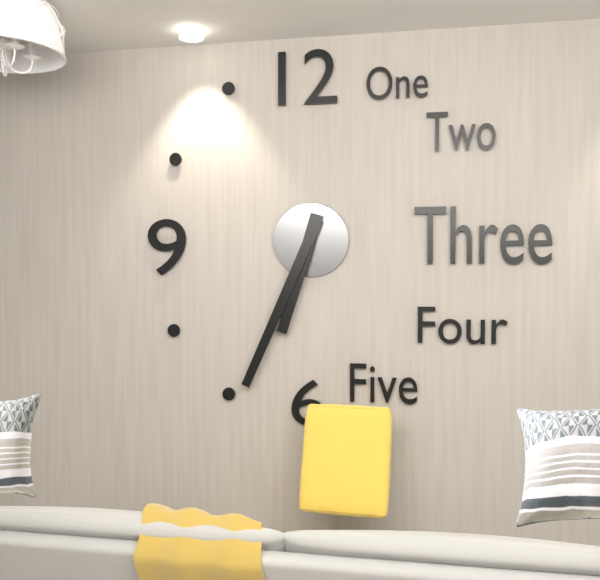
6:34
